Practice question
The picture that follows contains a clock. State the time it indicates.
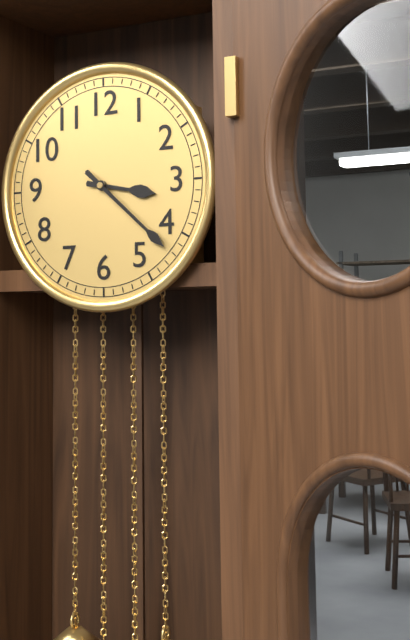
3:22
